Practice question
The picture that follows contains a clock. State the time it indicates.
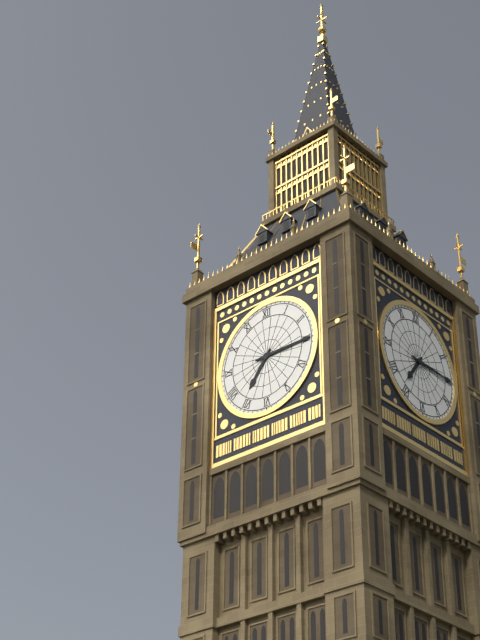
7:15
